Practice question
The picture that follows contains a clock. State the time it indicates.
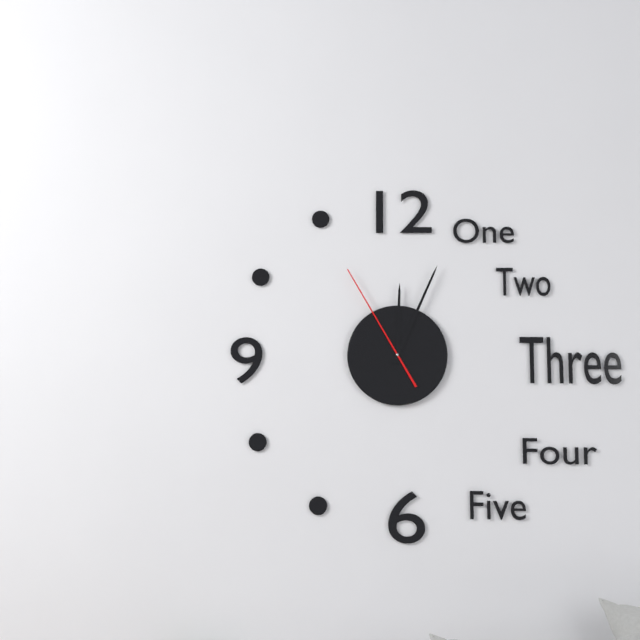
12:04:55
